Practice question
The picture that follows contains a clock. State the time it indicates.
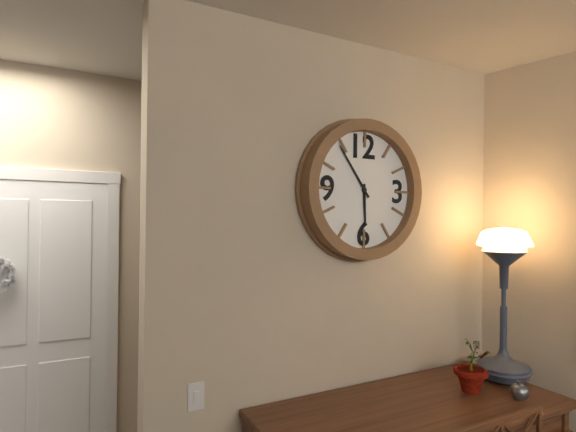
5:54
